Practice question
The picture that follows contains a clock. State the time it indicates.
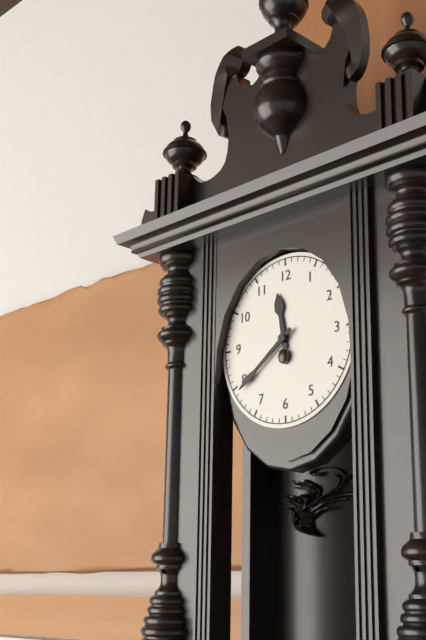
11:39
